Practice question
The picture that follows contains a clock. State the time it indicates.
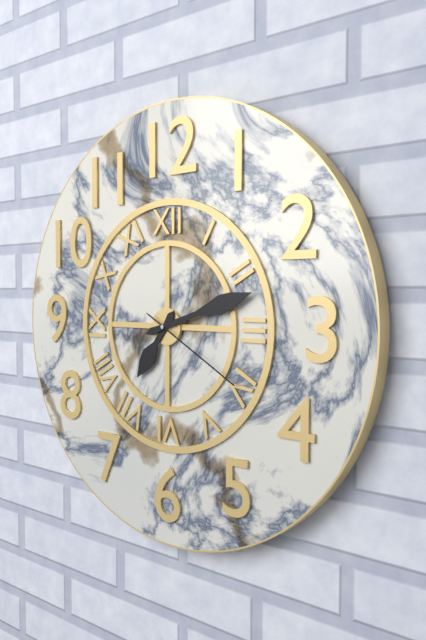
7:12:20
